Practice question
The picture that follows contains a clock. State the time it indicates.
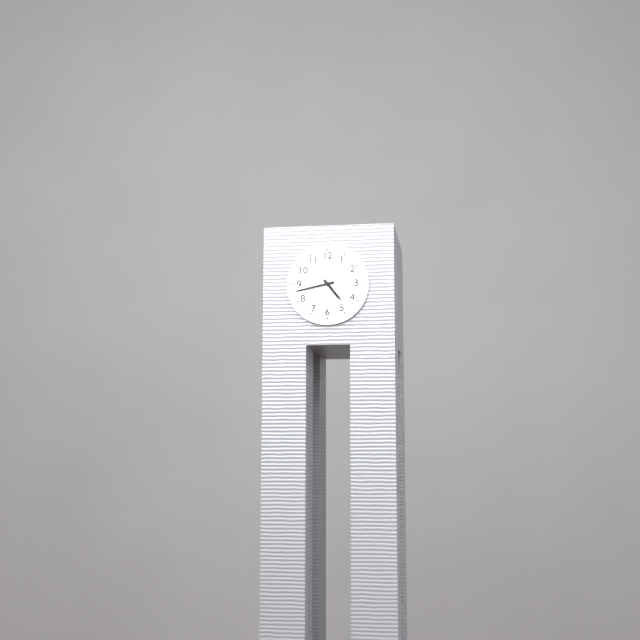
4:43
